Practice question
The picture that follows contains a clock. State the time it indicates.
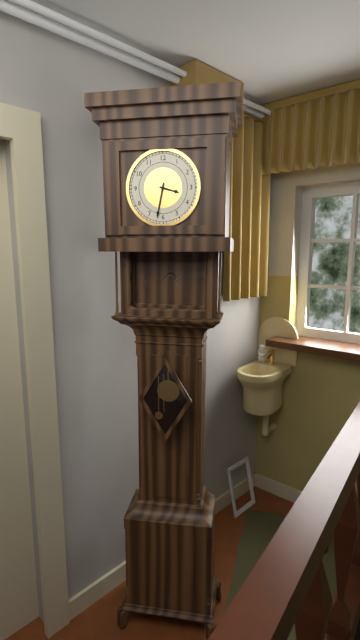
3:32
